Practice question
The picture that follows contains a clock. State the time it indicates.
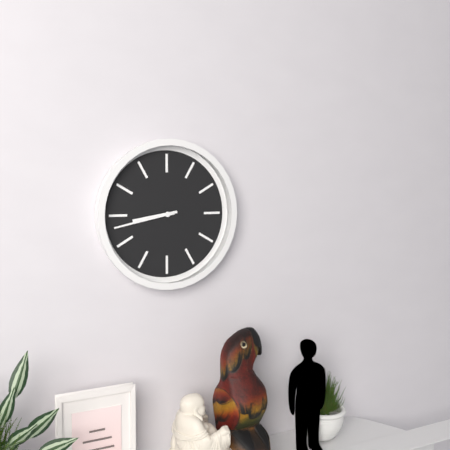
8:43
